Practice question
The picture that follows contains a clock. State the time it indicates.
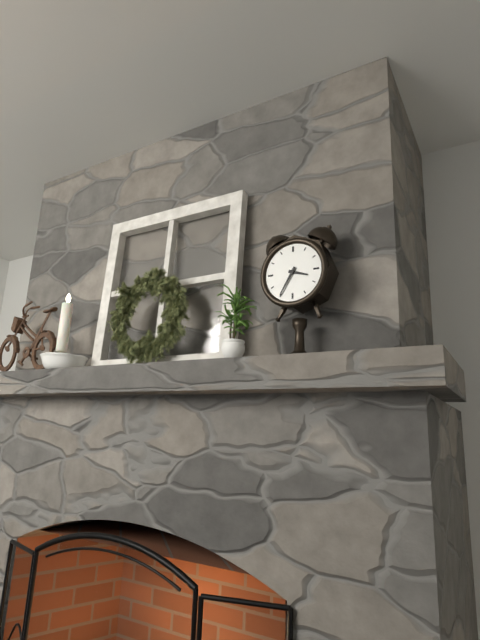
3:35
